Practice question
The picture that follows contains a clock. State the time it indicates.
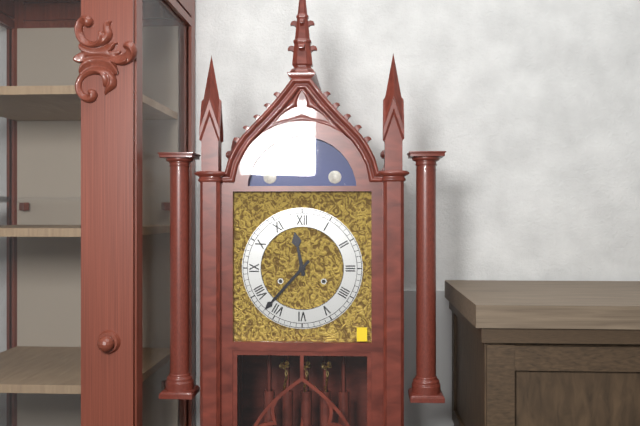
11:37
